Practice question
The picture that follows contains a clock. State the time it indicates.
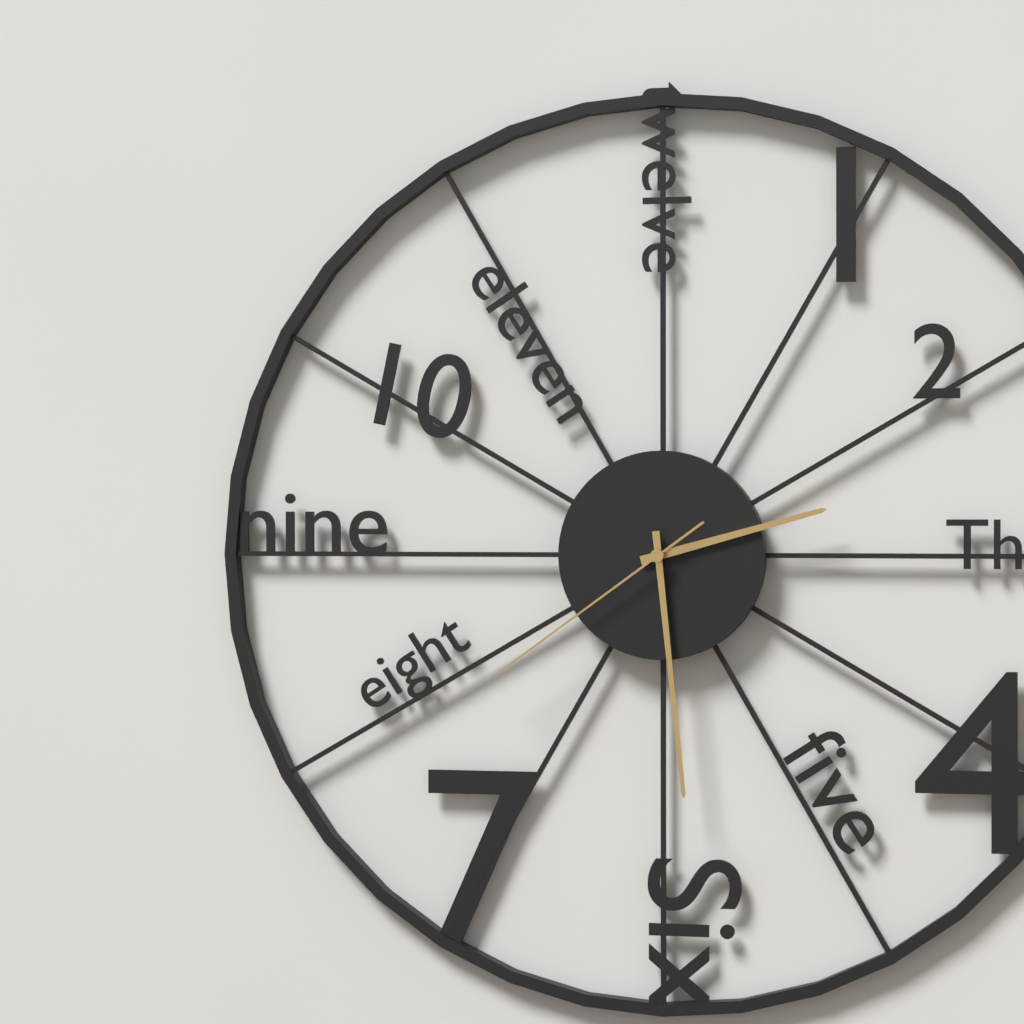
2:29:39
